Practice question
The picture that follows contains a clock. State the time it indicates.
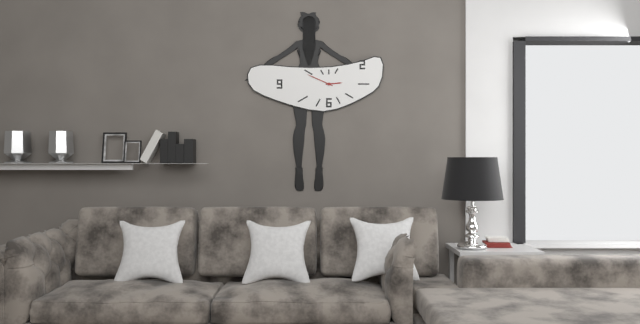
2:49
